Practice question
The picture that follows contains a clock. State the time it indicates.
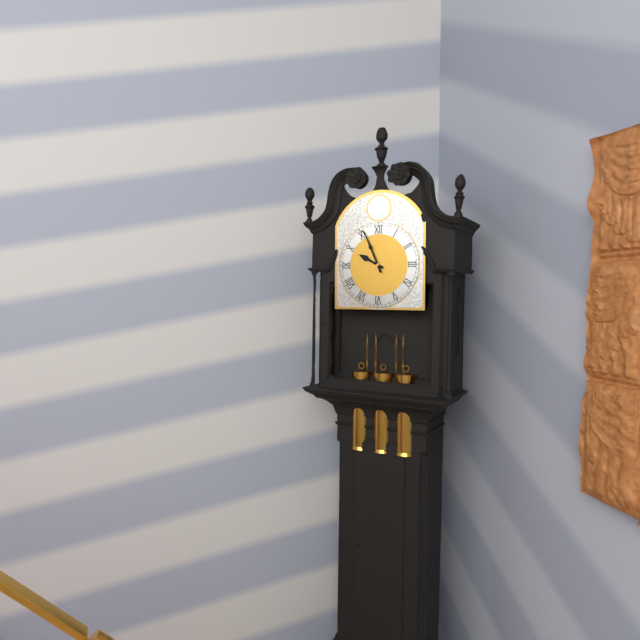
9:56
